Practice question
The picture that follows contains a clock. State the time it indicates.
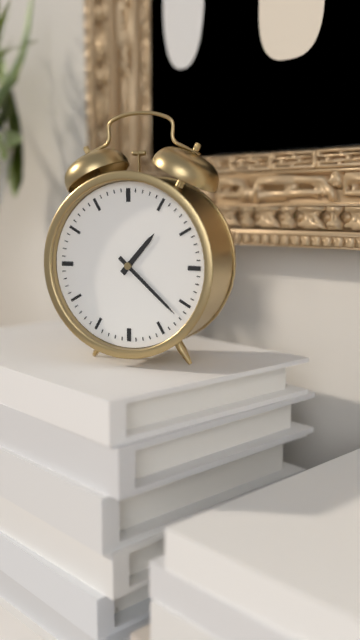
1:22
